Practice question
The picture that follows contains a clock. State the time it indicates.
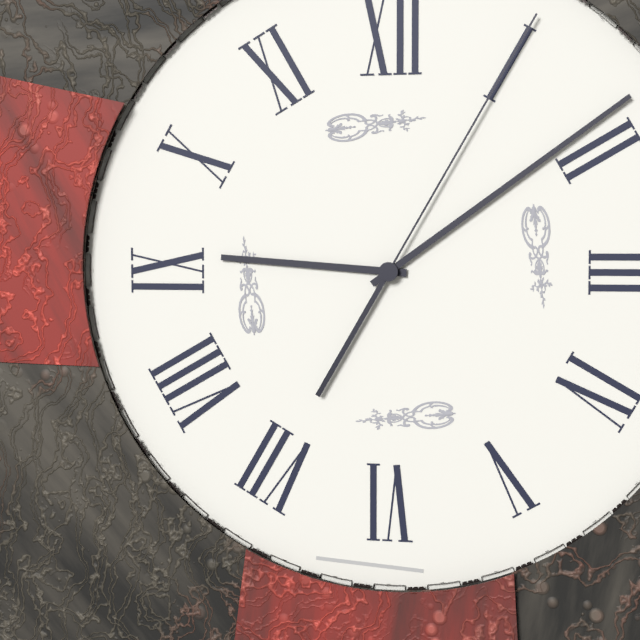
9:09:05
